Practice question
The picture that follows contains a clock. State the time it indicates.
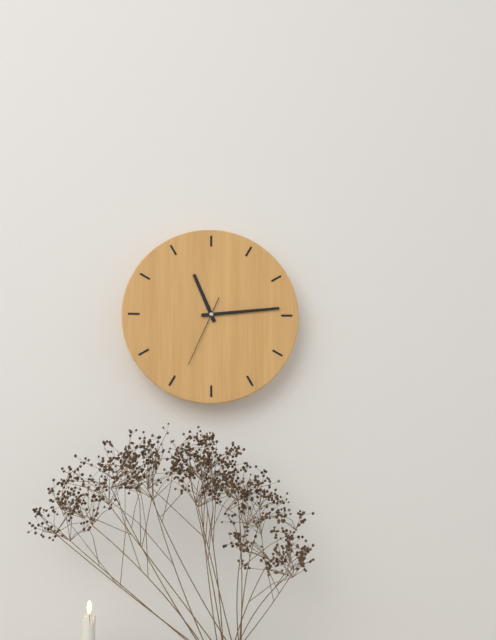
11:14:34
